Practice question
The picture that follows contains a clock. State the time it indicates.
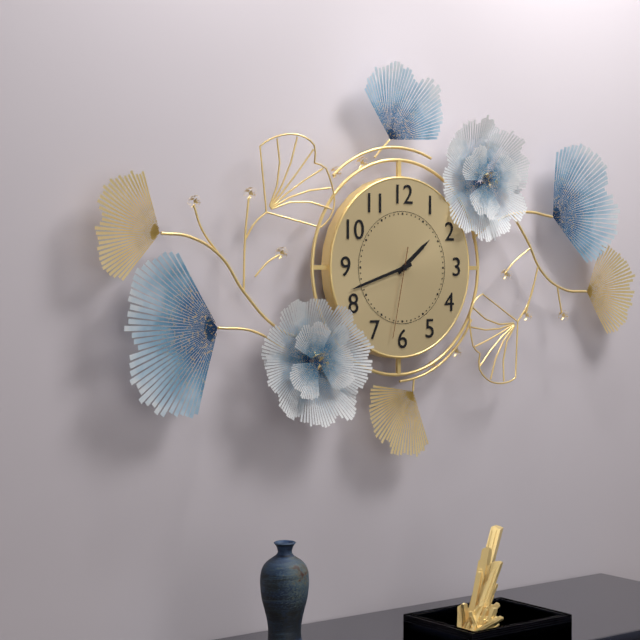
1:42:32
